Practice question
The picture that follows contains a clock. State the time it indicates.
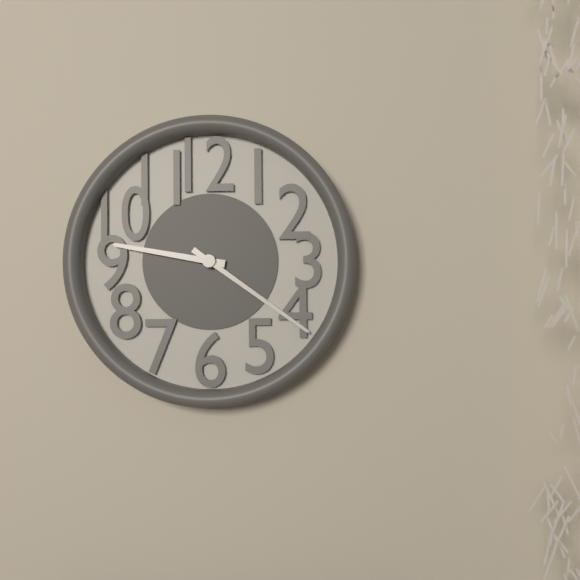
9:21
